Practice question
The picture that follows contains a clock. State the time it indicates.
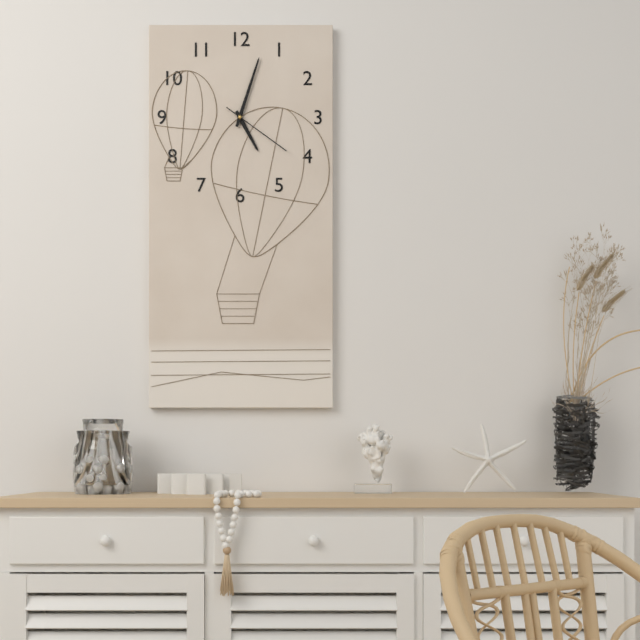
5:03:21
